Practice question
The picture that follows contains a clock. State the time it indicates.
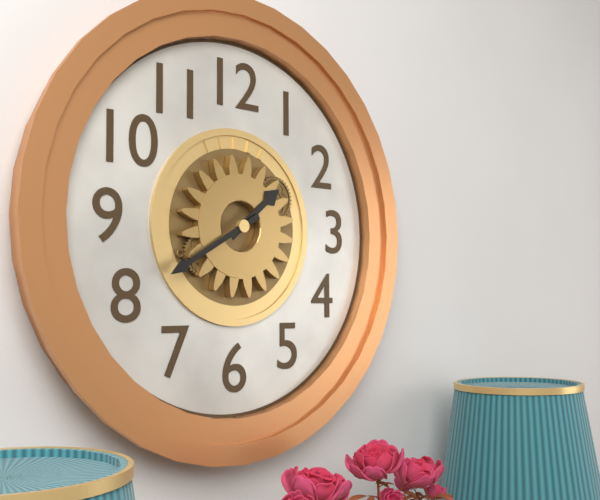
1:40
